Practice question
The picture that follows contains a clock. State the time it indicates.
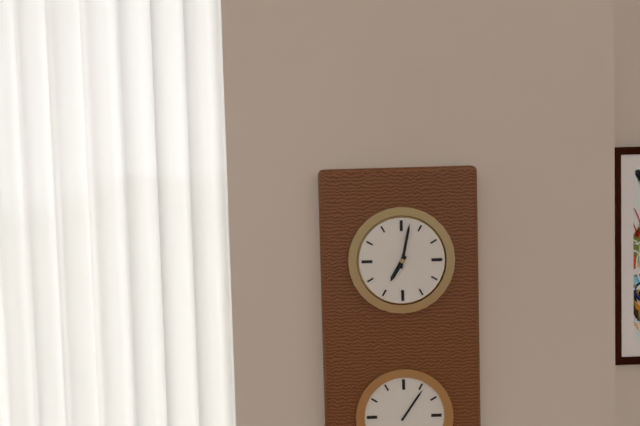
7:02
